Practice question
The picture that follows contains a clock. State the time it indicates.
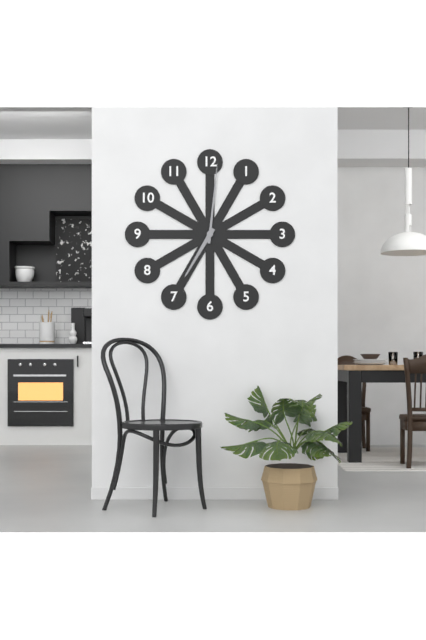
7:01
